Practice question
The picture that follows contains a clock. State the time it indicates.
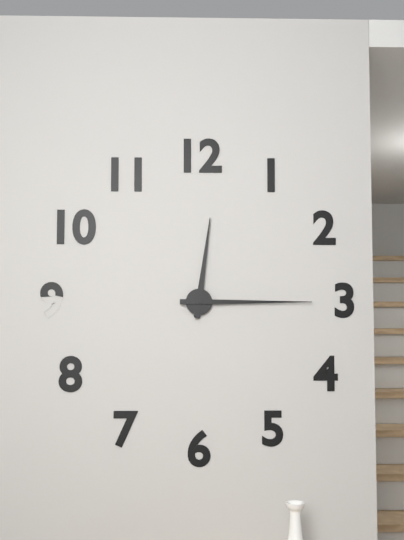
12:15
